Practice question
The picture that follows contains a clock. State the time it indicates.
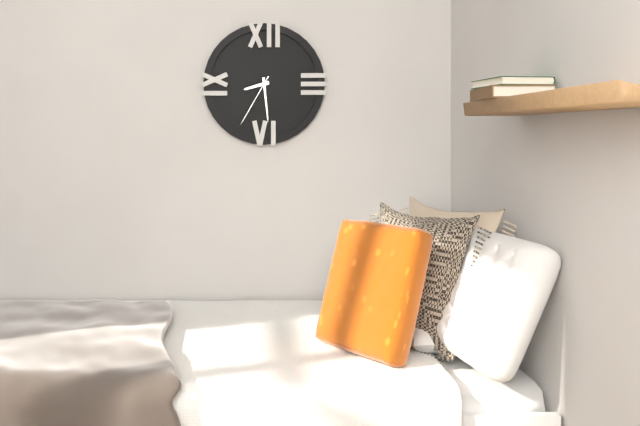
8:29:35
